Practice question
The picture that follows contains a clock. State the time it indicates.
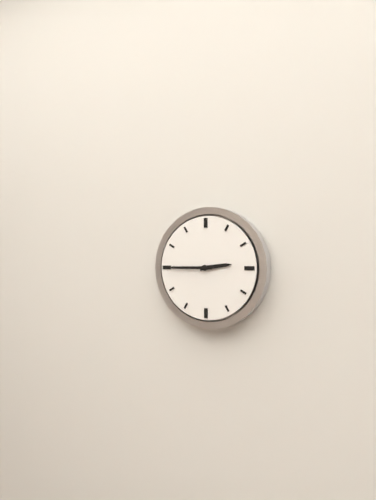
2:45
